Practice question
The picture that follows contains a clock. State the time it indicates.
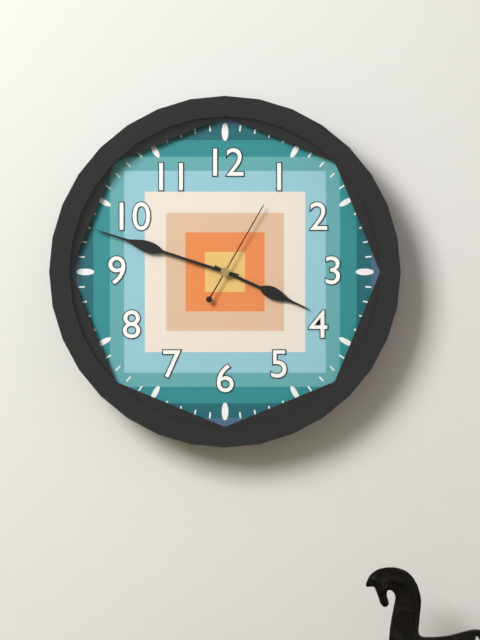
3:48:05
